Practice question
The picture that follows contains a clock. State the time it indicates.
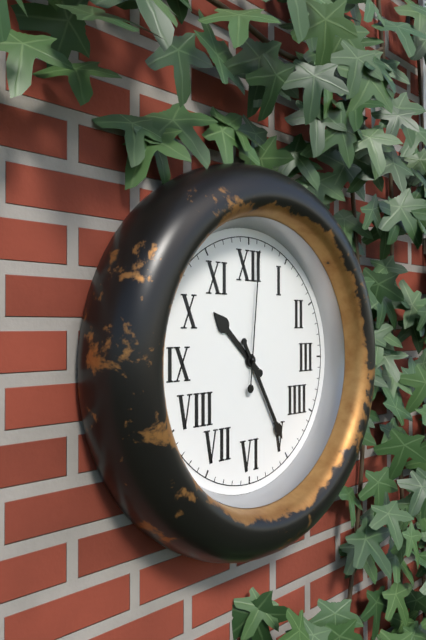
10:25:01
